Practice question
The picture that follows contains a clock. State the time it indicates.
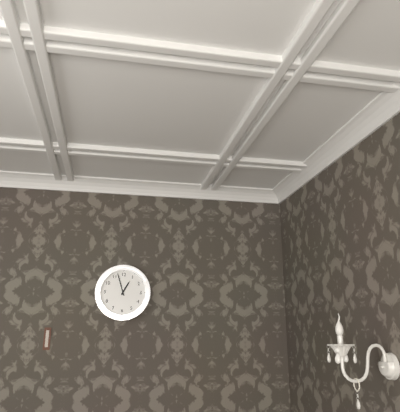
12:57
